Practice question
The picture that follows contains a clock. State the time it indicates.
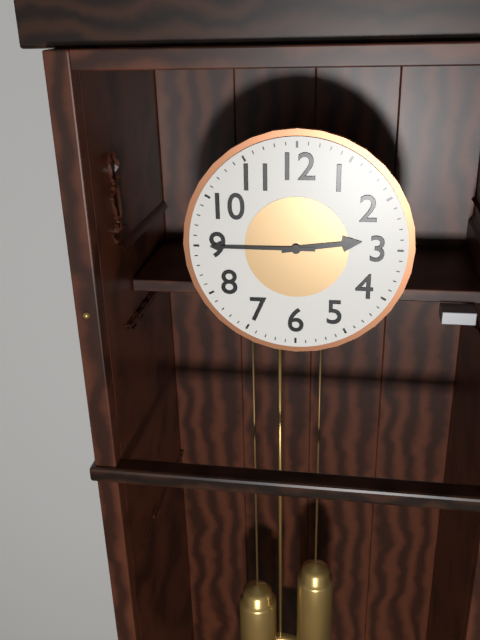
2:45
